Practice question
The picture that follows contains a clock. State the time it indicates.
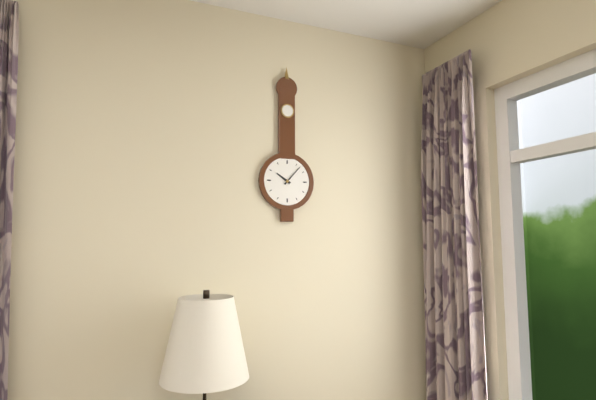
10:07
